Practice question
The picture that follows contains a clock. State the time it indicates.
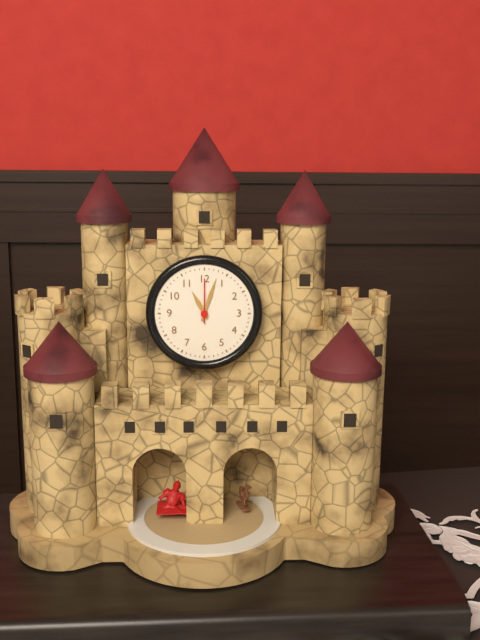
11:03:00
